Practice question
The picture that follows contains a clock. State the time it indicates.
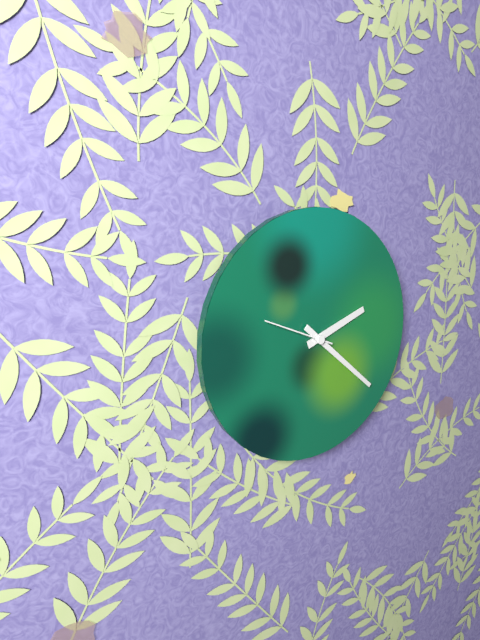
2:22:49
